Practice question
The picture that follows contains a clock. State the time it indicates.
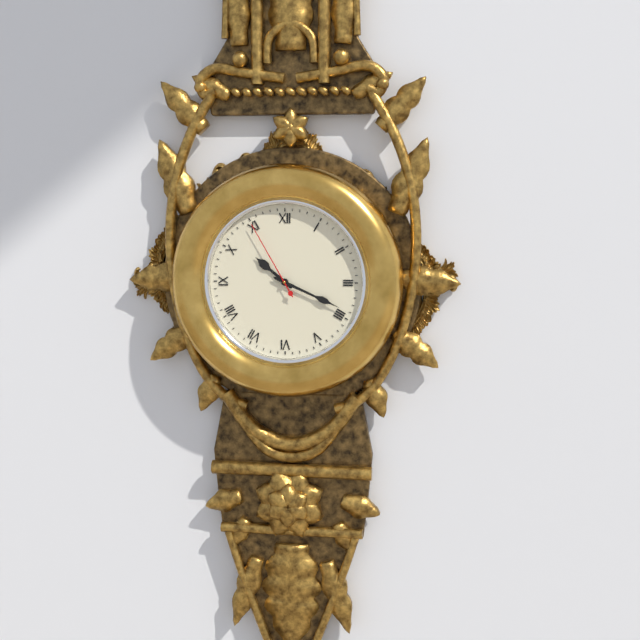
10:19:55
